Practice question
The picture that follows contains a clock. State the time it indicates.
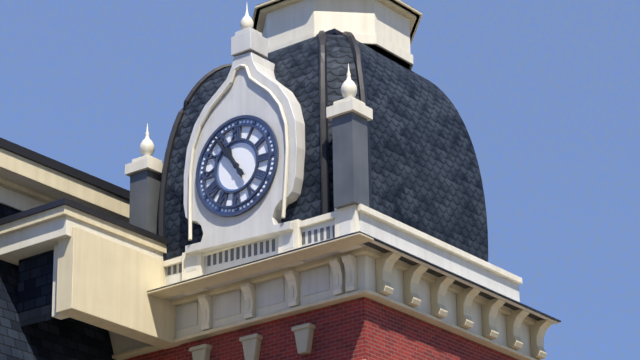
10:54
